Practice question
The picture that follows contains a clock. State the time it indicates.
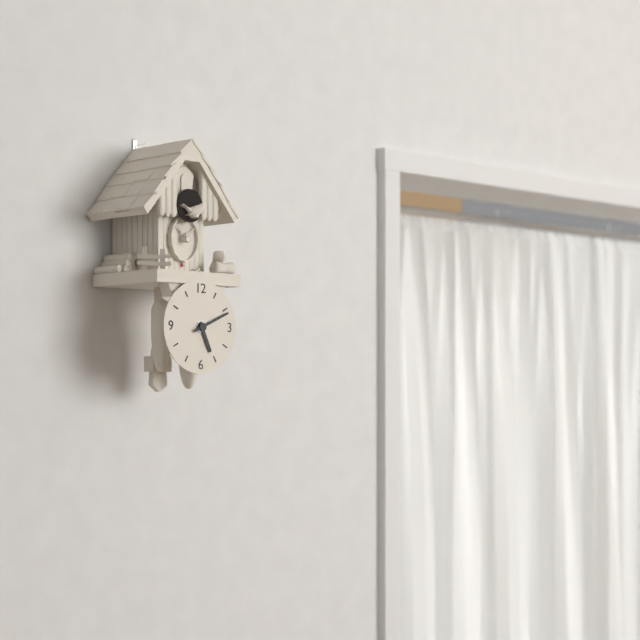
5:11
